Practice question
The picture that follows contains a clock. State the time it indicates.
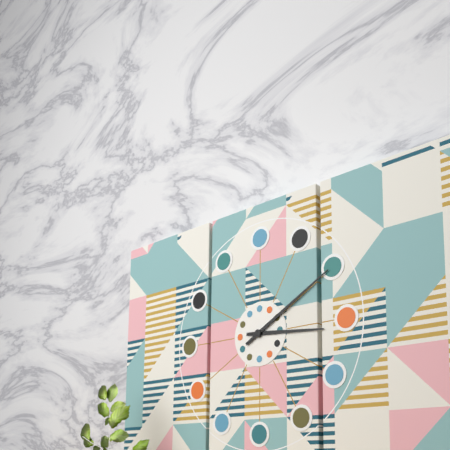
3:10
